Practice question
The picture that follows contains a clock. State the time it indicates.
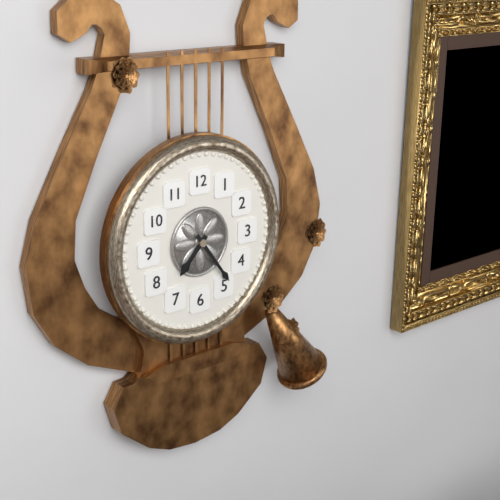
7:24
